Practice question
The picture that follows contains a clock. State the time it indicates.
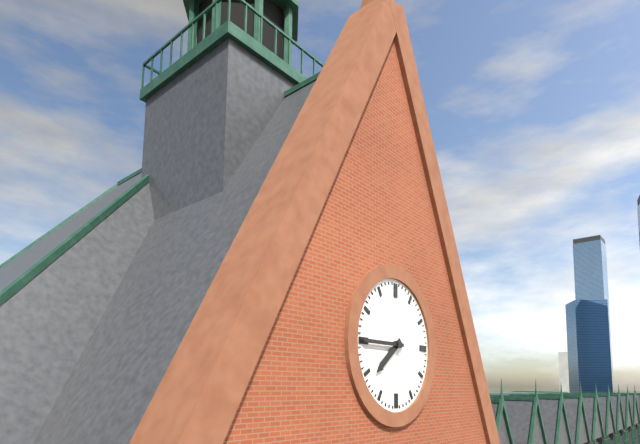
7:45
